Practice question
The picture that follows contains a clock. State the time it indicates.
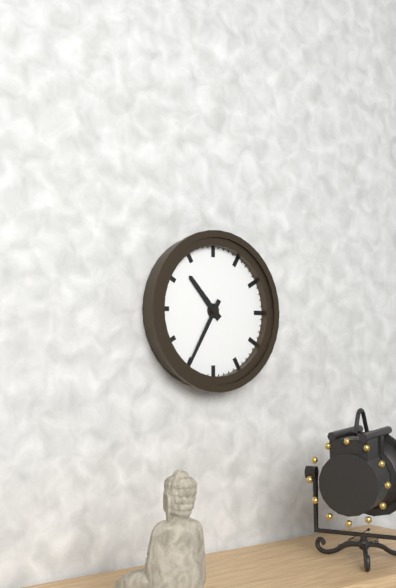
10:35
